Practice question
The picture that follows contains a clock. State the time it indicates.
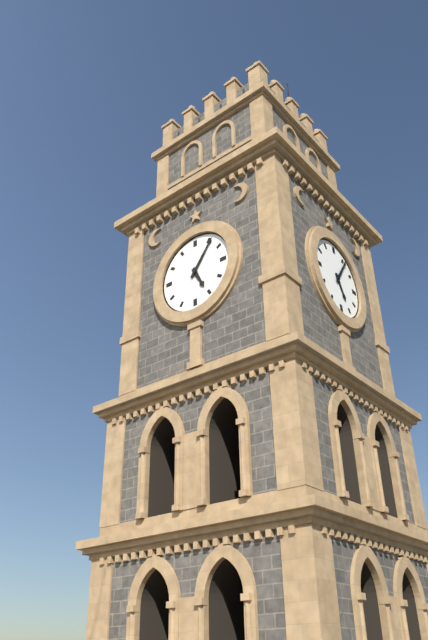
5:06
